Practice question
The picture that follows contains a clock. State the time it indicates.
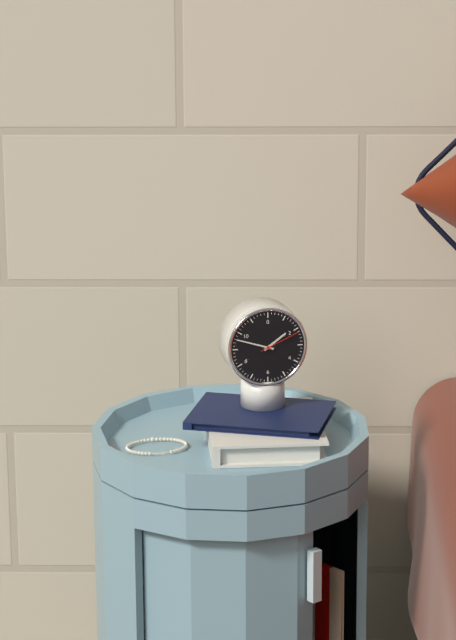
1:48
